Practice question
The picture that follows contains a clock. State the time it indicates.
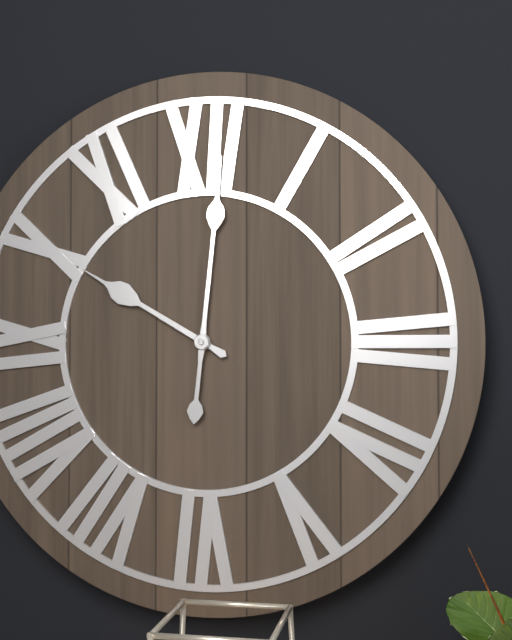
10:01
